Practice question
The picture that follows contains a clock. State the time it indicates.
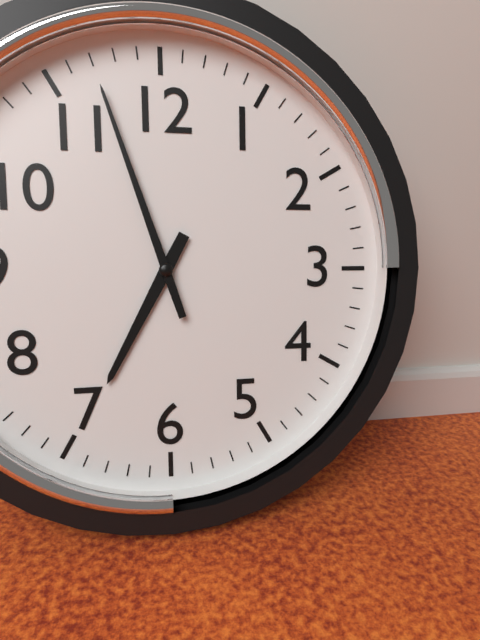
6:57
